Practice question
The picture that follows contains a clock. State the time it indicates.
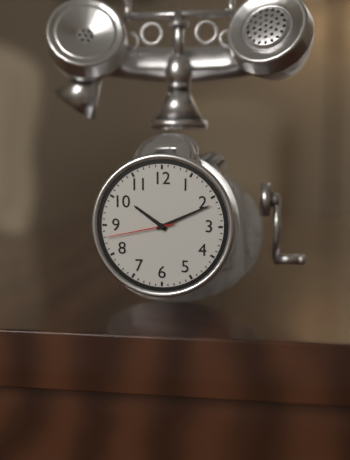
10:11:43
